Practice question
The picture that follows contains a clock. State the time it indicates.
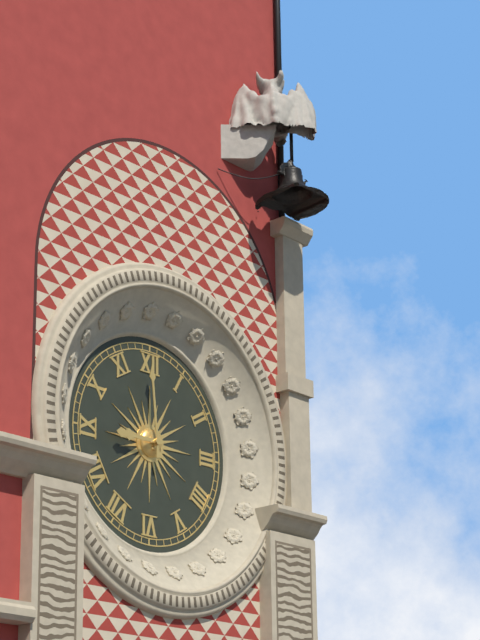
8:59
